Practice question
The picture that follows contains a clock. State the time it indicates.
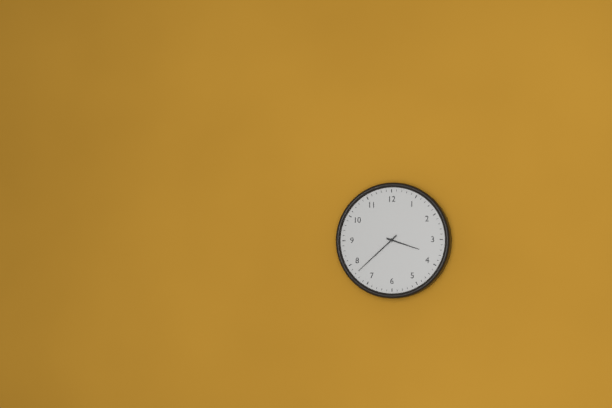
3:38
